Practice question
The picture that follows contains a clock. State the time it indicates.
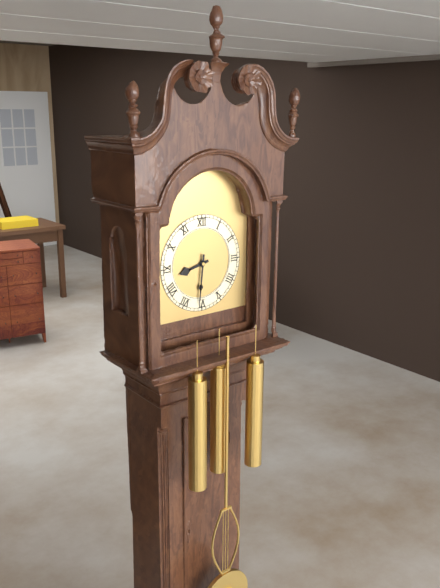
8:31
